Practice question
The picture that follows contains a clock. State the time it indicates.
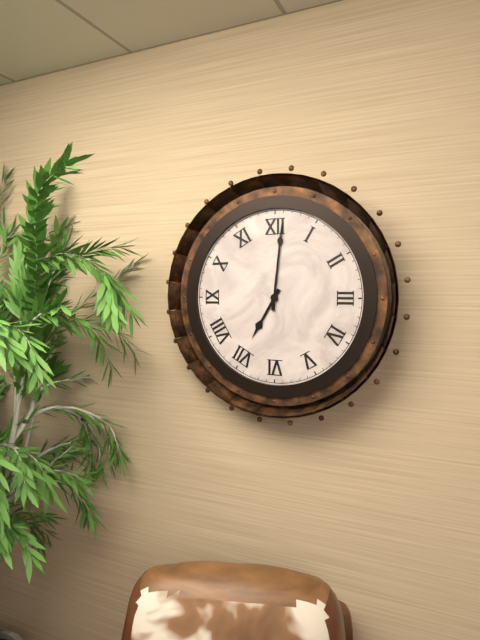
7:01
